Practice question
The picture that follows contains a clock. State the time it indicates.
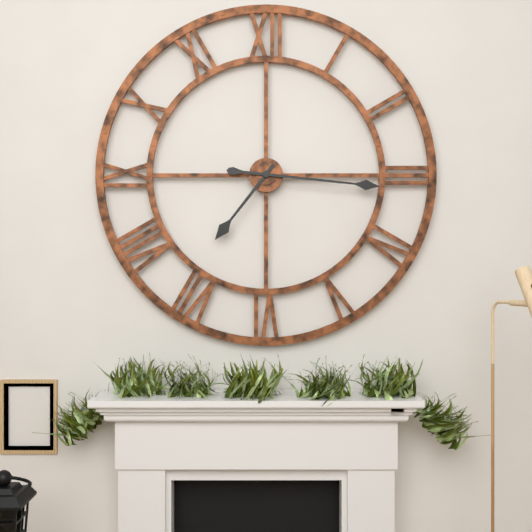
7:16
